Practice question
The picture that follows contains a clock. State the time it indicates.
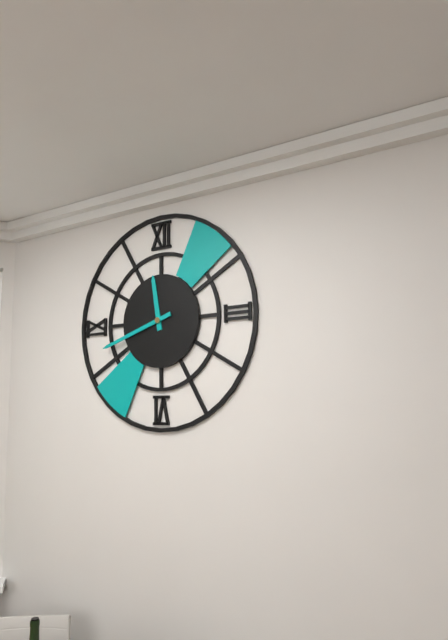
11:42
